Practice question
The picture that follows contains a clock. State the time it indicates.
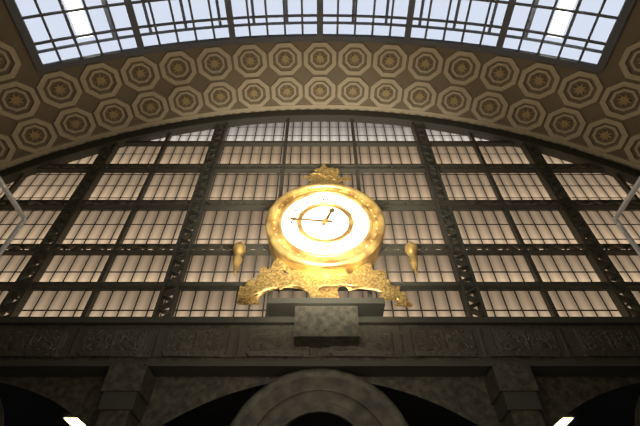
12:46
